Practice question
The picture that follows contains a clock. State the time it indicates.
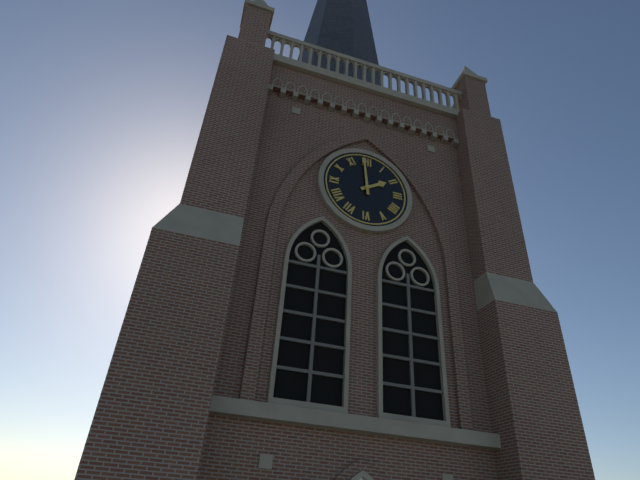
1:59
